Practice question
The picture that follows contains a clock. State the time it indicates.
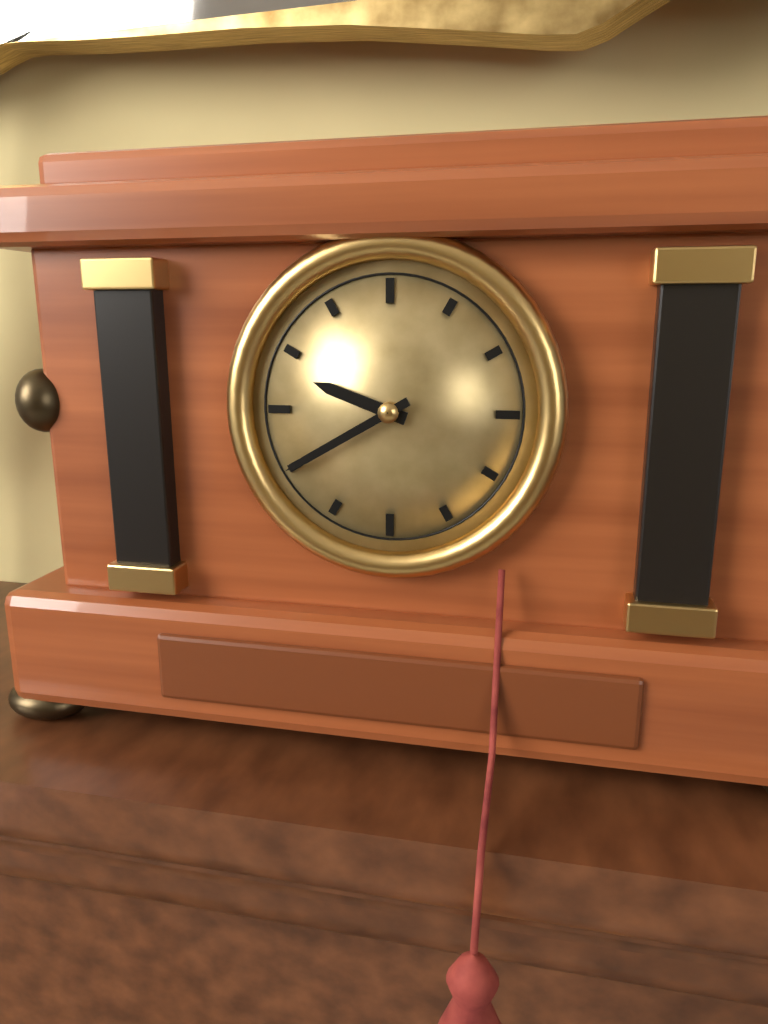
9:40
